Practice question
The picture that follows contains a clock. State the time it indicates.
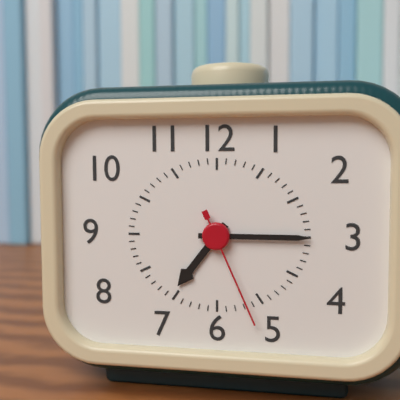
7:15:26
